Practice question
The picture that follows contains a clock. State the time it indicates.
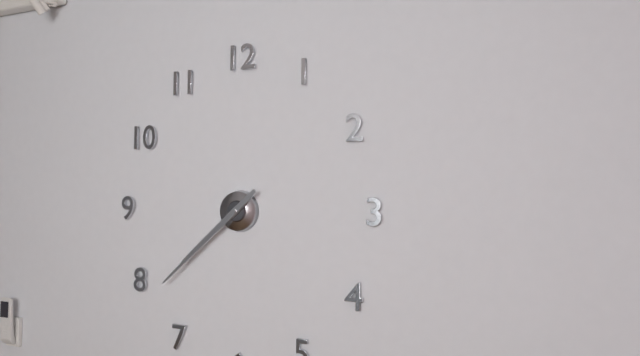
7:38
